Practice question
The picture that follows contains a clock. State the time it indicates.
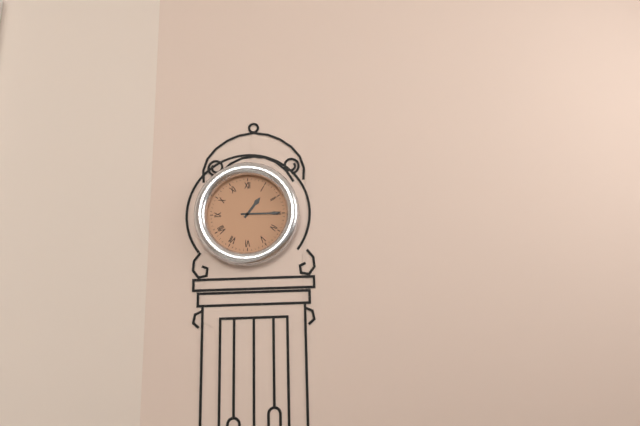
1:15
